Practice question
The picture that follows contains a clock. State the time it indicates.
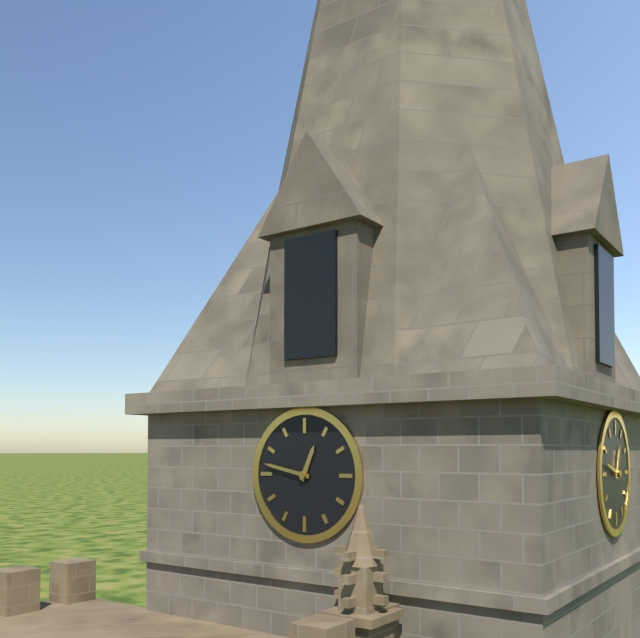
12:47
